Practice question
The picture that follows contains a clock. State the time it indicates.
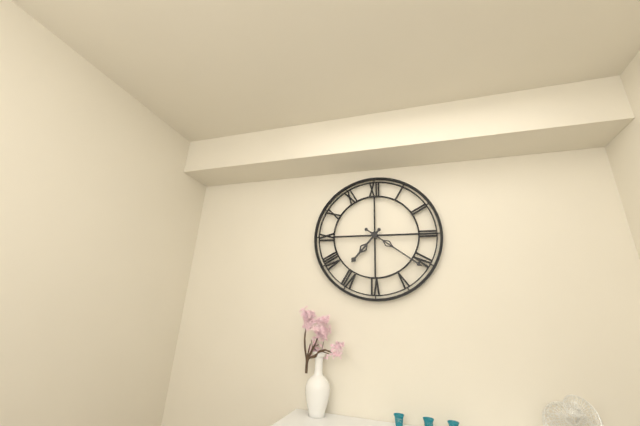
7:21
